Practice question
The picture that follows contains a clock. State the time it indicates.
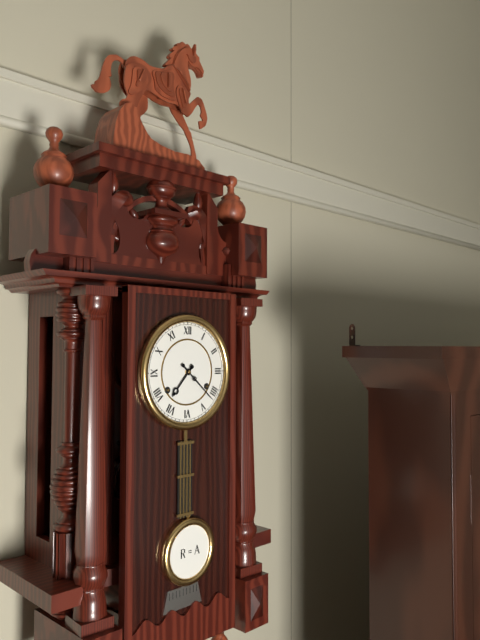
7:22
